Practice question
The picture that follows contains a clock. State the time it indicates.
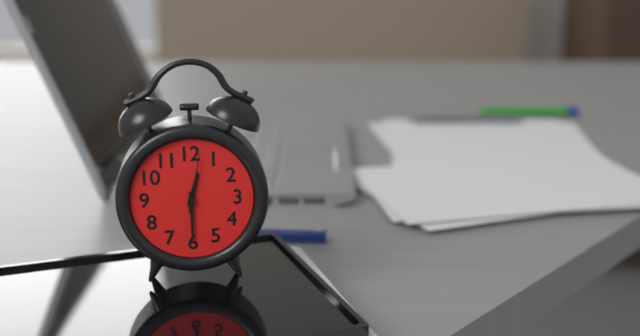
12:30:02
